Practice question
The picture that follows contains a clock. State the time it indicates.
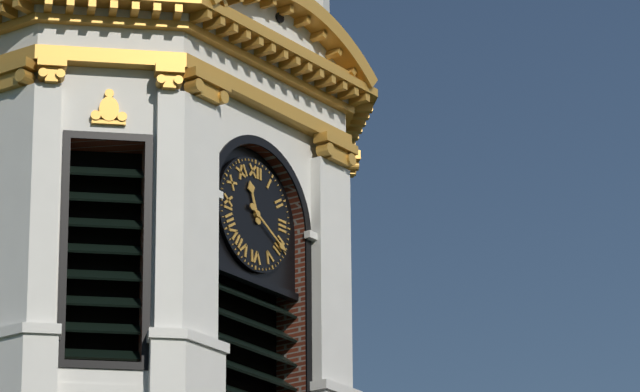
11:20
